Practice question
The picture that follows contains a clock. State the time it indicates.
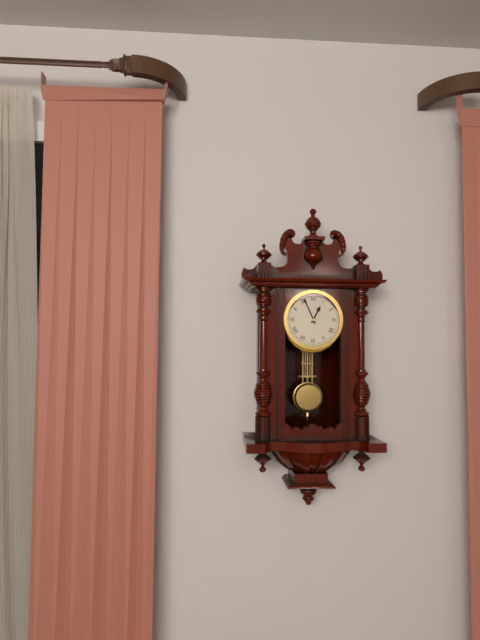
12:56
